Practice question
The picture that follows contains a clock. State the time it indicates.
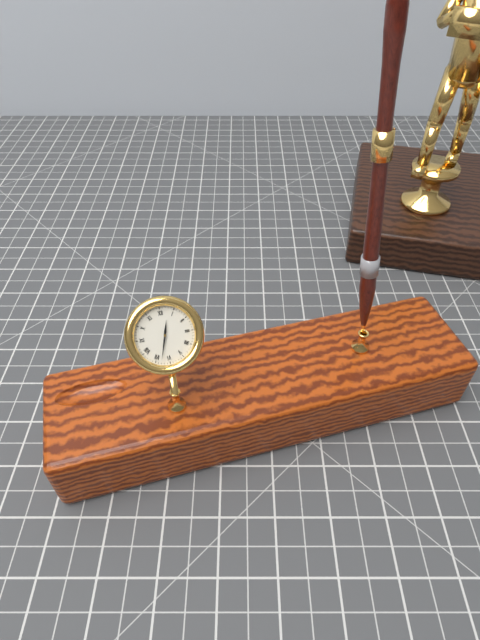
12:33
